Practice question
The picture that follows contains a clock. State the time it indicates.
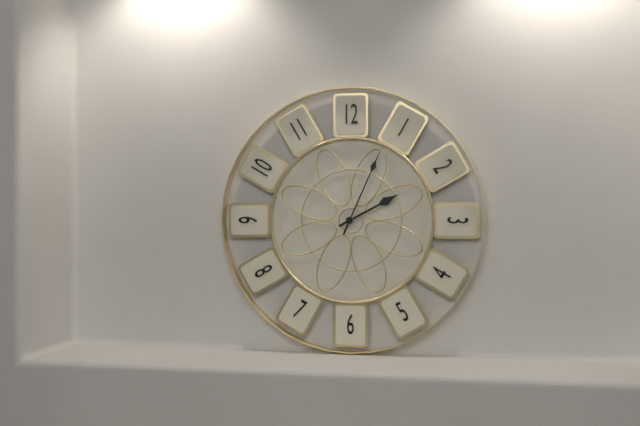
2:04
